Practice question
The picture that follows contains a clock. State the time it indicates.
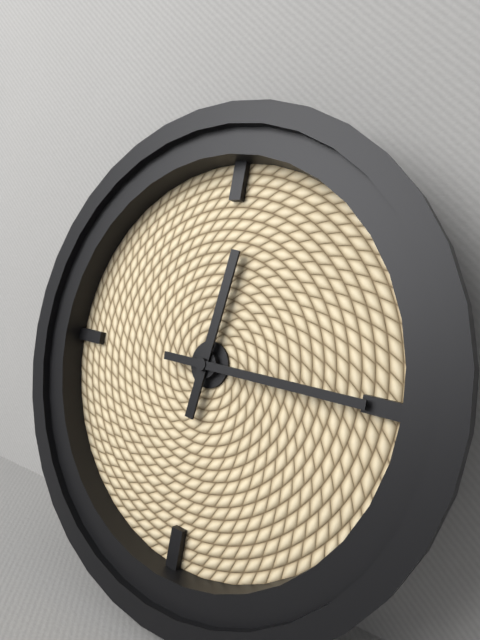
12:15
